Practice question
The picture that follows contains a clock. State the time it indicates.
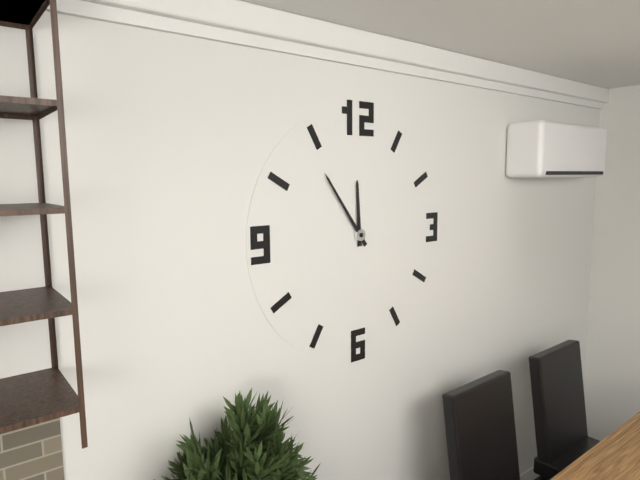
11:54
